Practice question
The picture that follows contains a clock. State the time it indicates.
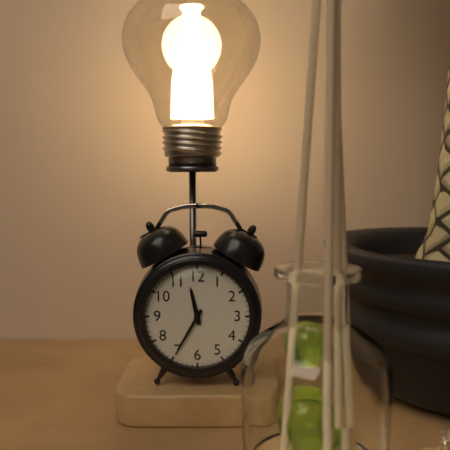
11:35
